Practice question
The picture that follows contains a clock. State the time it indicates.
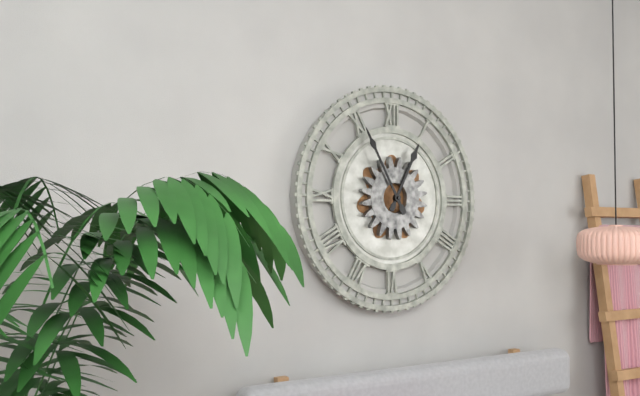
12:55
